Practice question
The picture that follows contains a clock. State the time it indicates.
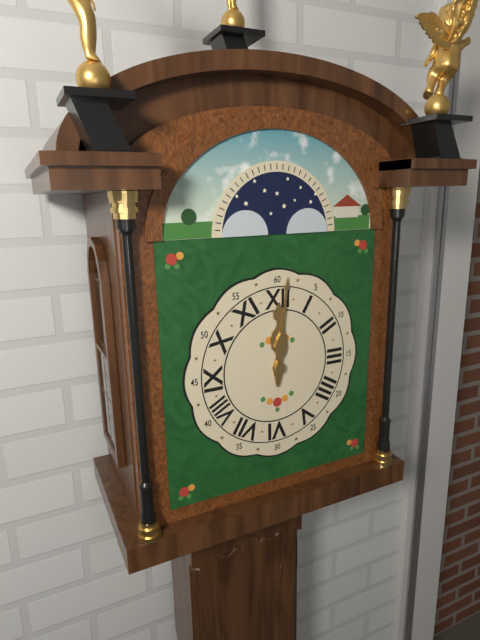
12:01
